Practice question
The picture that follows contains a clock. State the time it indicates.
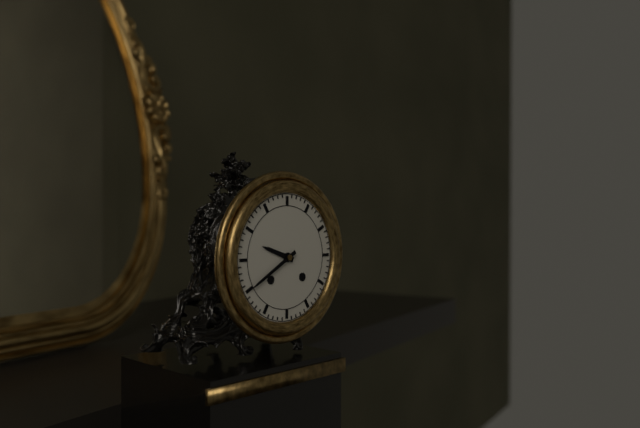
9:40
